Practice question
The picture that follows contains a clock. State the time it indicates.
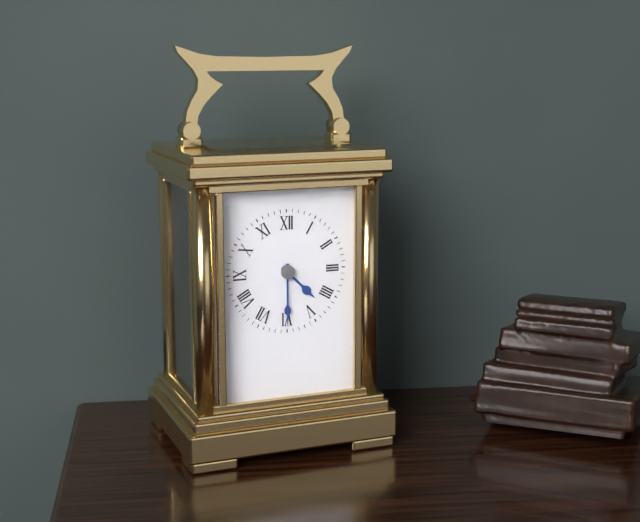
4:30
